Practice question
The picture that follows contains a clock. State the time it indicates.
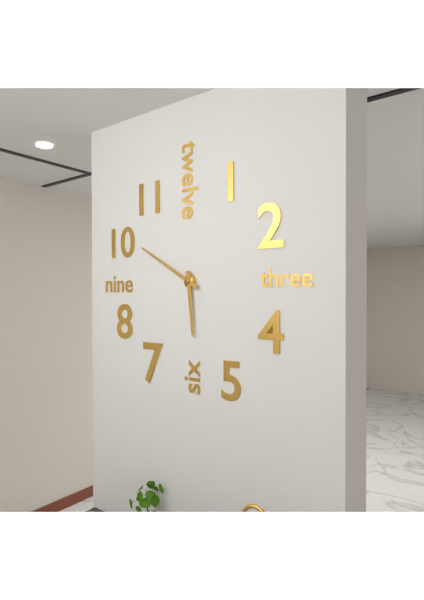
5:50
